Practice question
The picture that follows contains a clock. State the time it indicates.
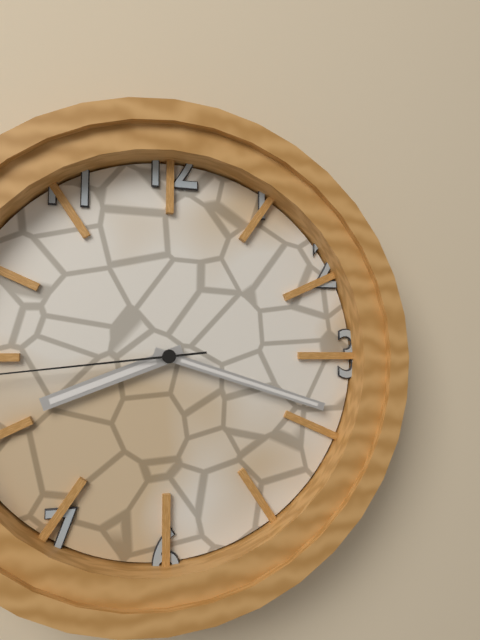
8:18
